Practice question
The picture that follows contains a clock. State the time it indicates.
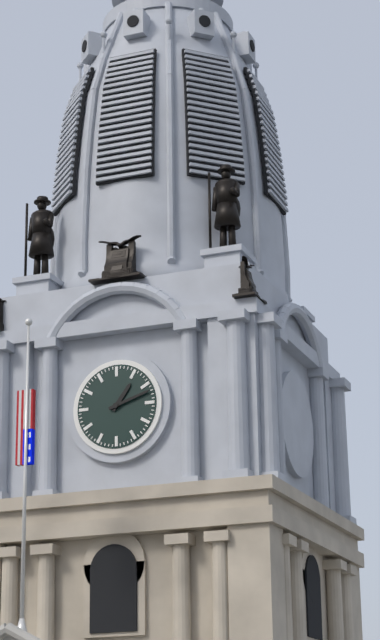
1:12
